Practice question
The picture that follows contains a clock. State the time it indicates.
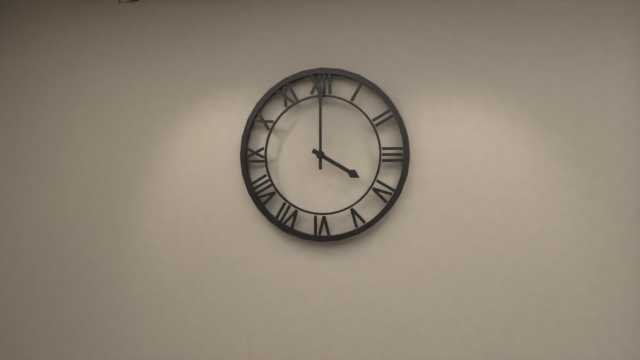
4:00
